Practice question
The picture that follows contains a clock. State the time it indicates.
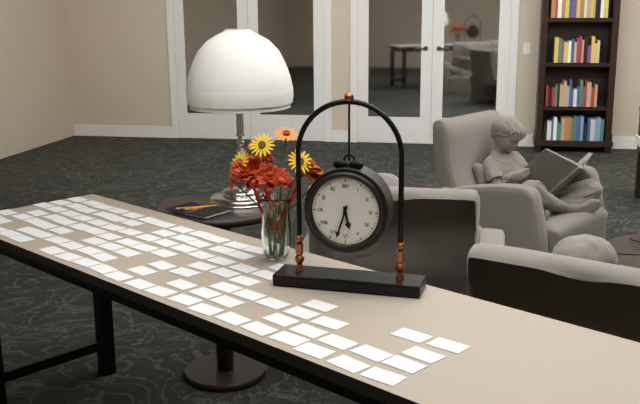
5:33
